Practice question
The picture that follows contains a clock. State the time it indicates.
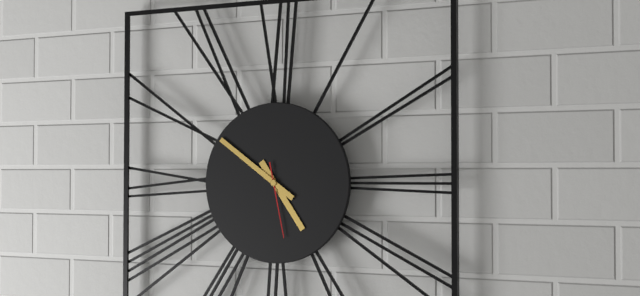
4:51:28
